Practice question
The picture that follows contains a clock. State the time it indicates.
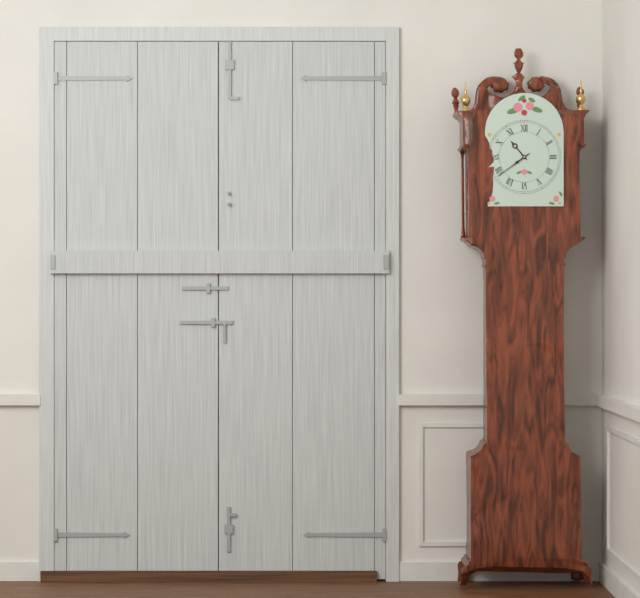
10:39
